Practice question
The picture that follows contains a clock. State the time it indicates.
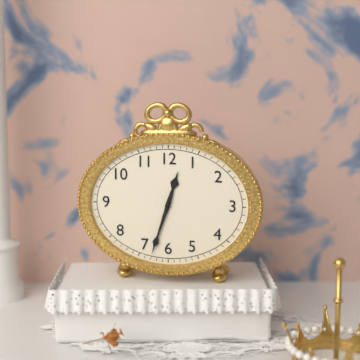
12:33
